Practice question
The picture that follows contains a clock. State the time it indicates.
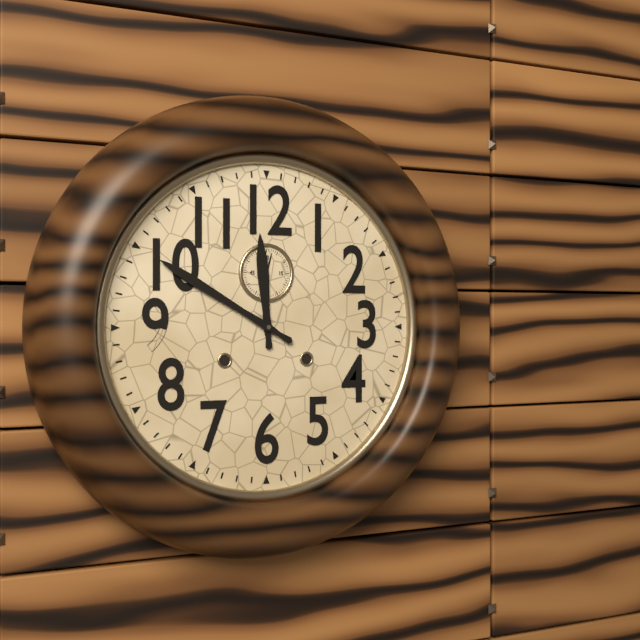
11:50
